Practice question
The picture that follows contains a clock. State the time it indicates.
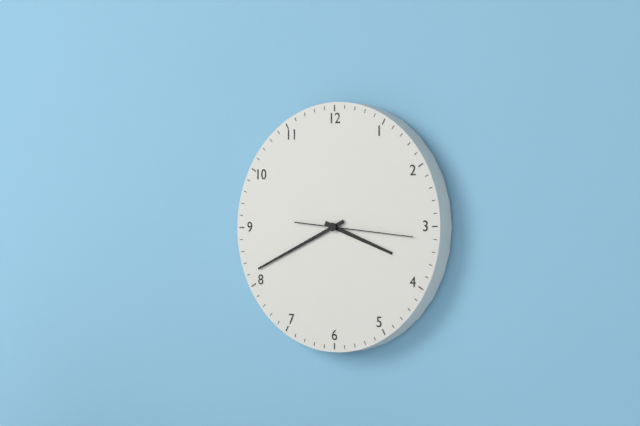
3:41:16
